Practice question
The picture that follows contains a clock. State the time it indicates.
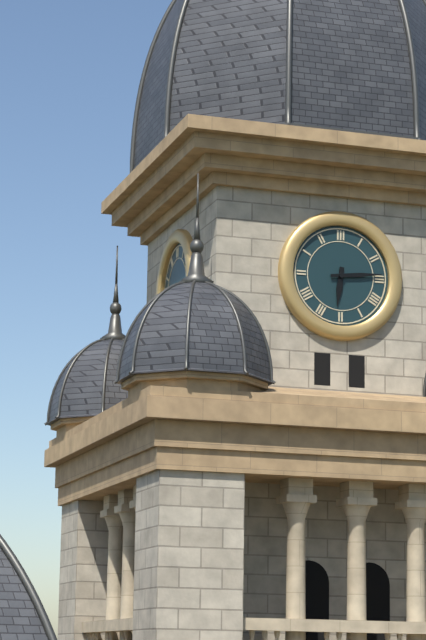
6:14
